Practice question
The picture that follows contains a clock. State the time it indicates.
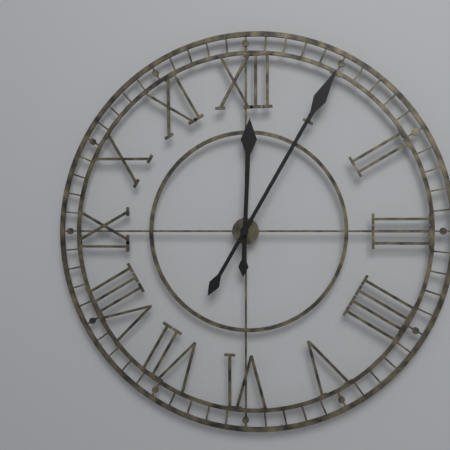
12:05
